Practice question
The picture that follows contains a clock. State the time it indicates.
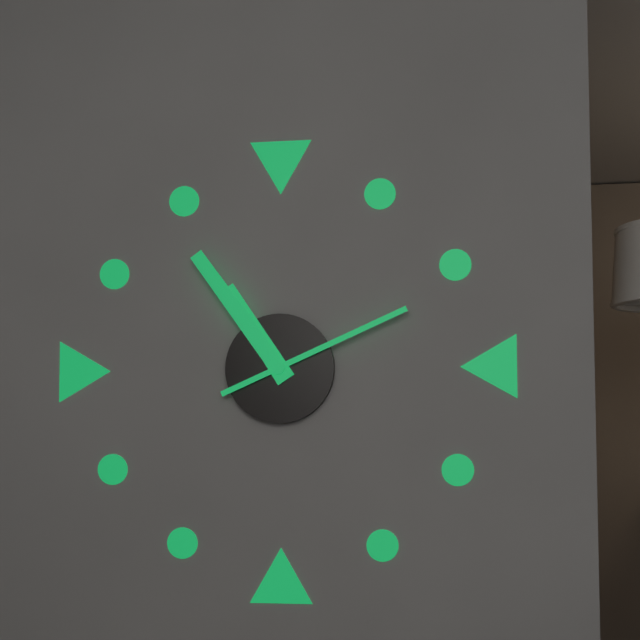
10:54:11
